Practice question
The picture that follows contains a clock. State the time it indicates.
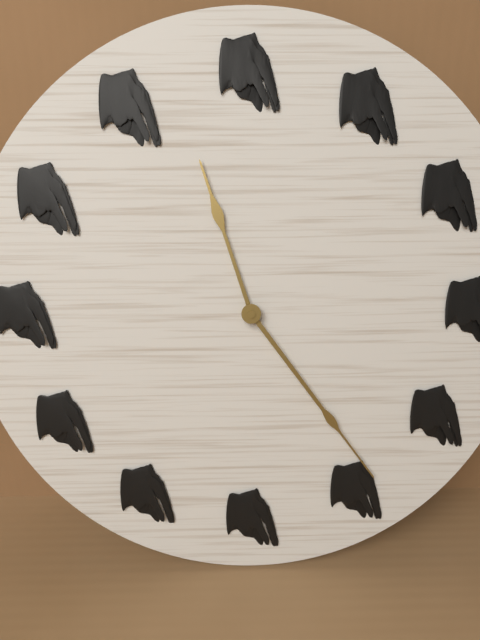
11:24
